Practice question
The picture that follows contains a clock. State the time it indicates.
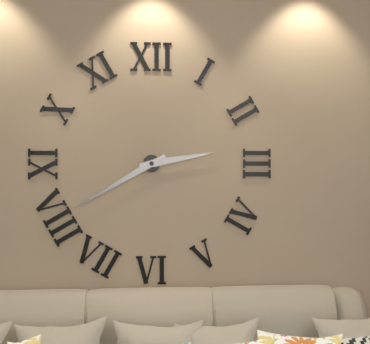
2:40
